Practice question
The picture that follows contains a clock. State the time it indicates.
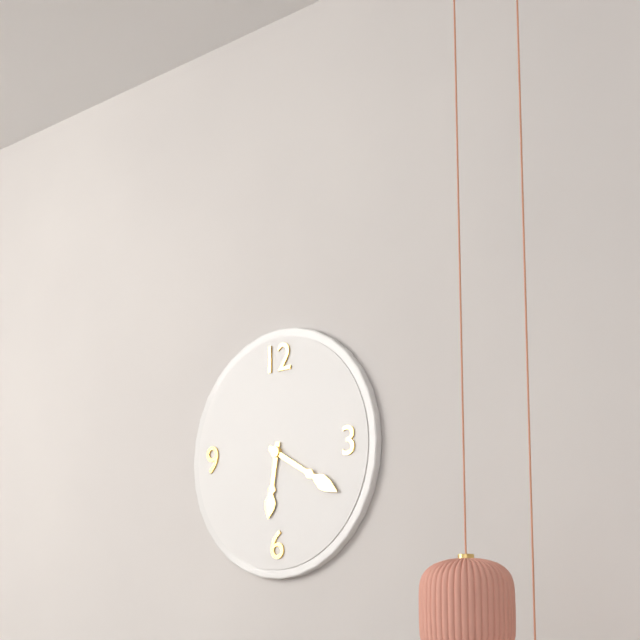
6:20
